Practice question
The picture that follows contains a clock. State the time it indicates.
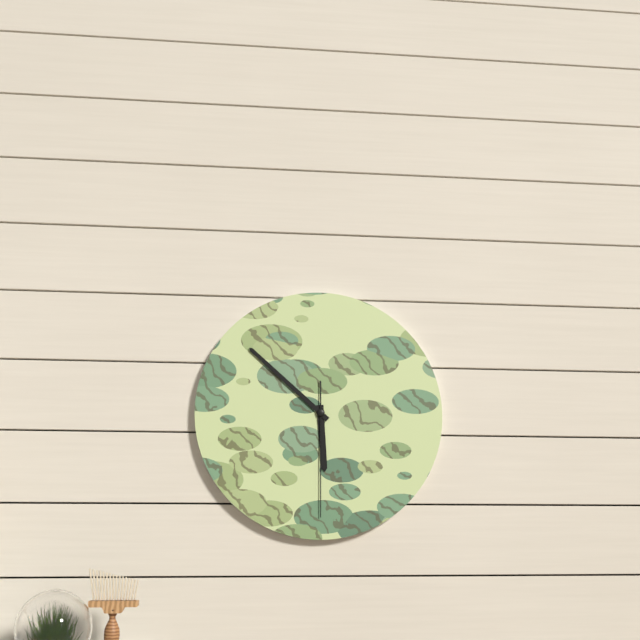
5:52:30
